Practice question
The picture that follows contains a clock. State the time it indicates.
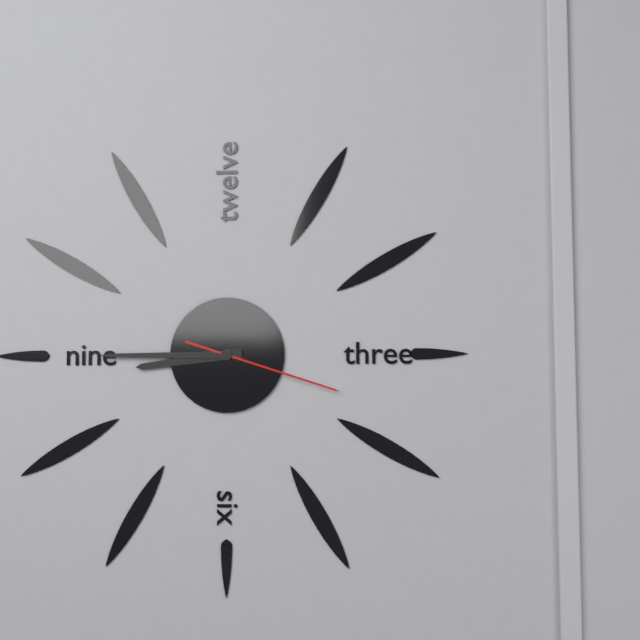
8:45:18
